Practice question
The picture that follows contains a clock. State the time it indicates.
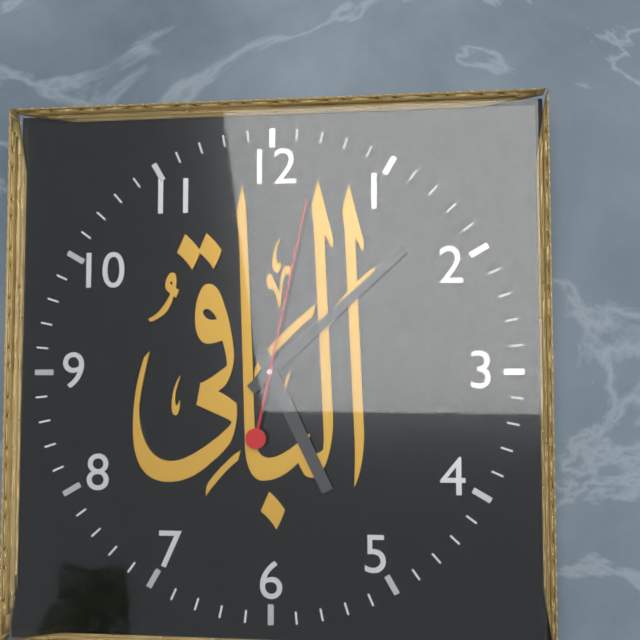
5:08:02
